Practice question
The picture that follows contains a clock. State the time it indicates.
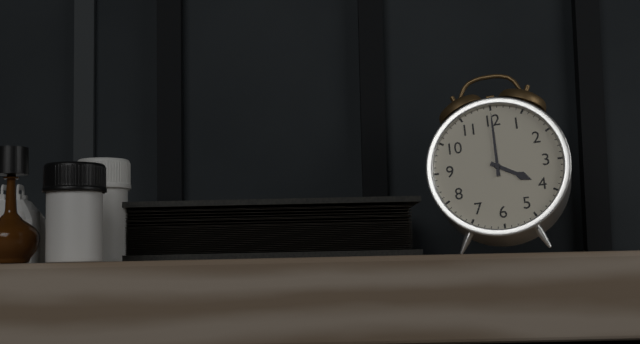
4:00
